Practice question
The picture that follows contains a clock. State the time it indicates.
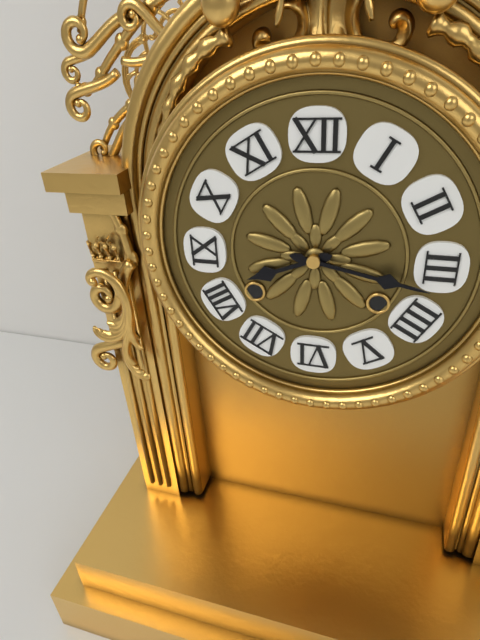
8:17
